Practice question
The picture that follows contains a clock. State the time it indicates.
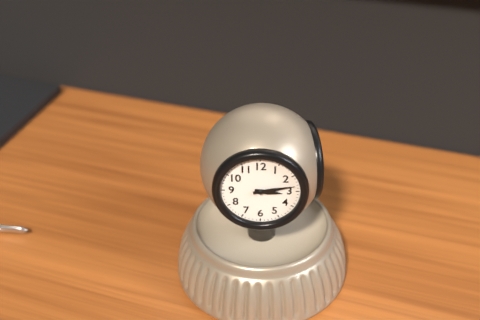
3:13
